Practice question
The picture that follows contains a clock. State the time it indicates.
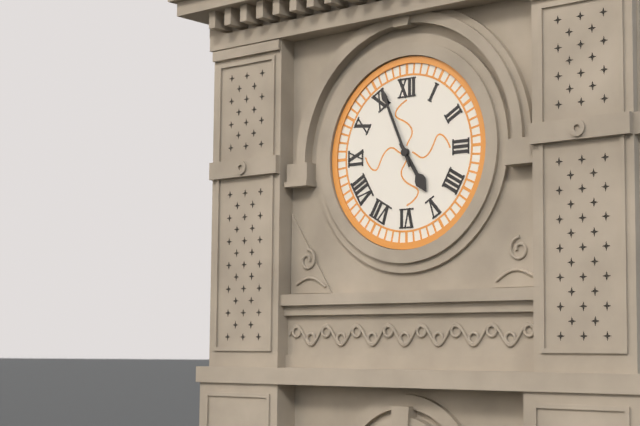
4:56
